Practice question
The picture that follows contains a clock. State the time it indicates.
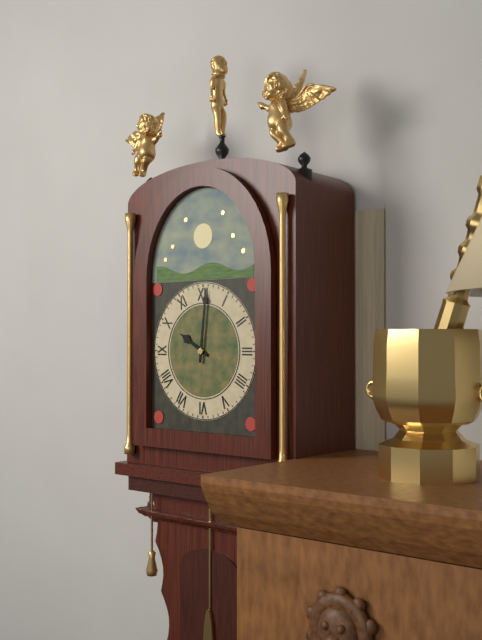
10:01
